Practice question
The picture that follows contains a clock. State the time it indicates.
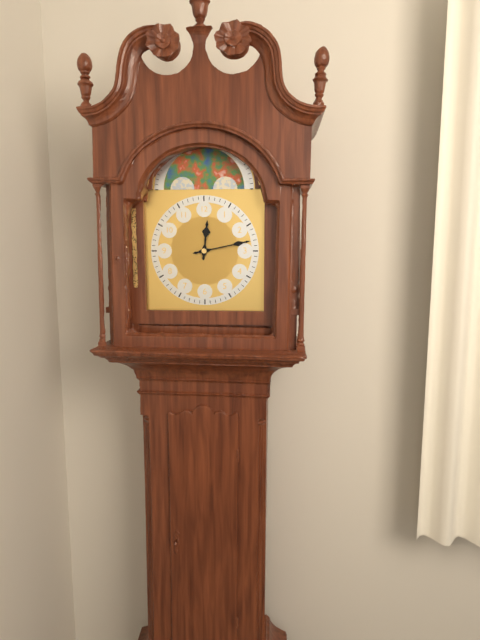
12:13
